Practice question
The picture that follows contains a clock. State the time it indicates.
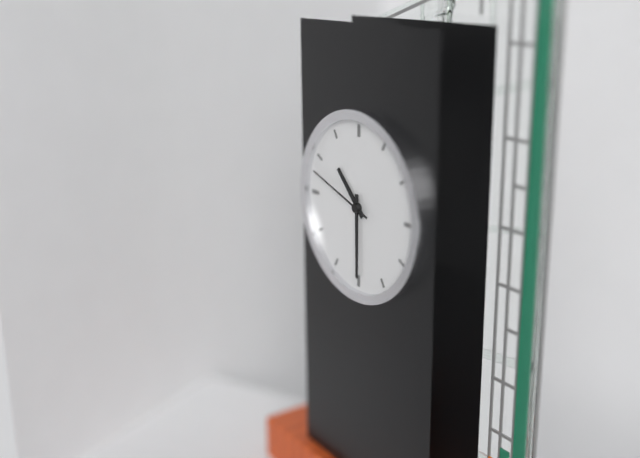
10:30:48
